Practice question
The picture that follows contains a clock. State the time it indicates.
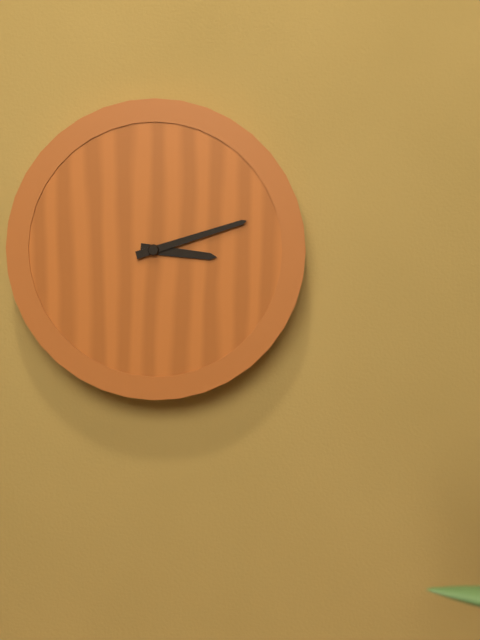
3:12
